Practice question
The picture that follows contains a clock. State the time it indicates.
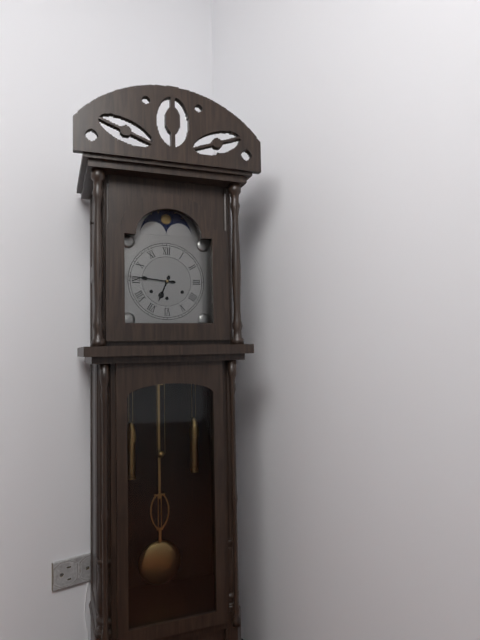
6:46
